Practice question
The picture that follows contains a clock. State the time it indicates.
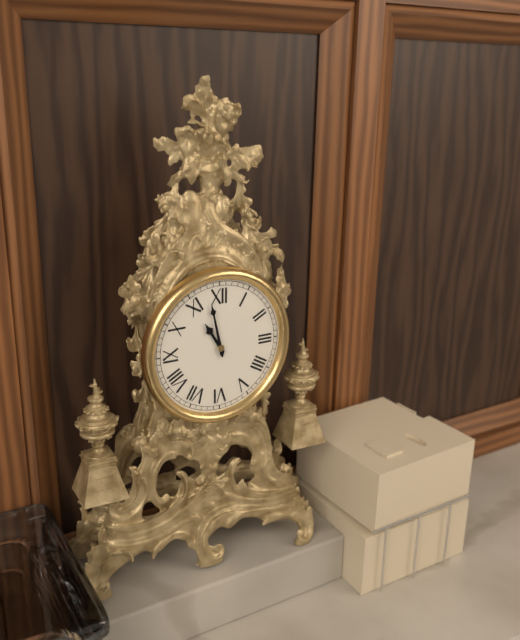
10:58
